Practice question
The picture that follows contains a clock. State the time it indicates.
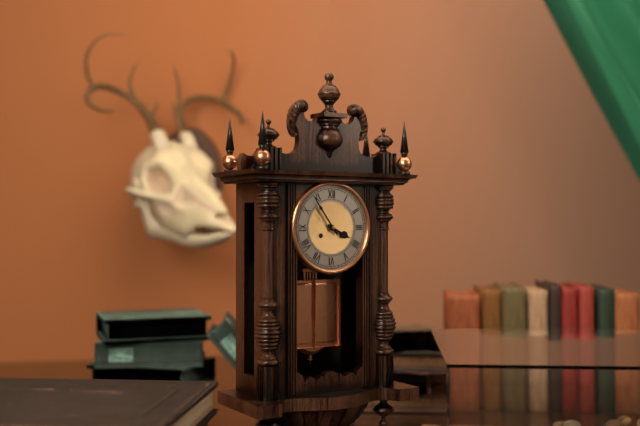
3:54
